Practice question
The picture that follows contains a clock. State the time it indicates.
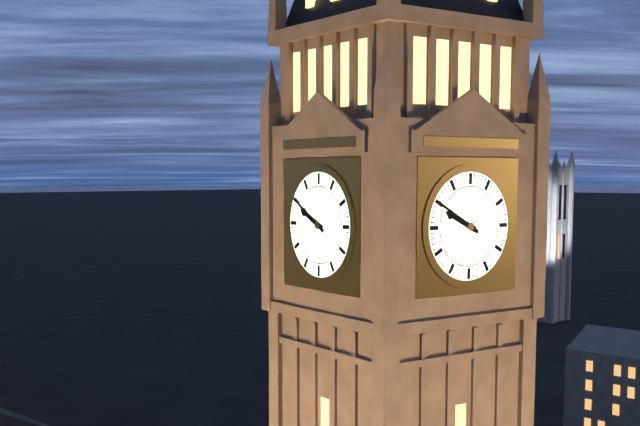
9:50
